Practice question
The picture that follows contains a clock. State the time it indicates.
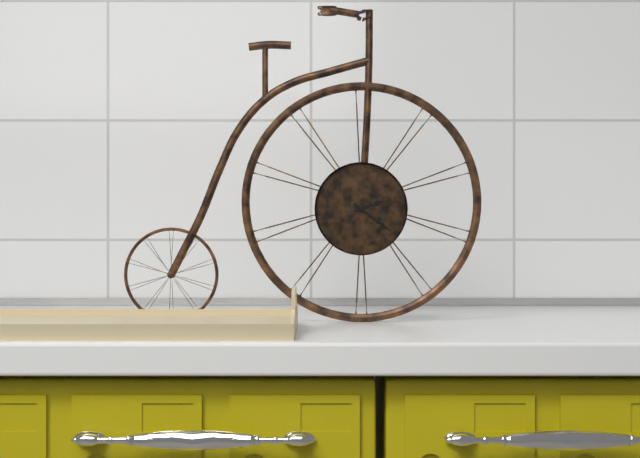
2:21
